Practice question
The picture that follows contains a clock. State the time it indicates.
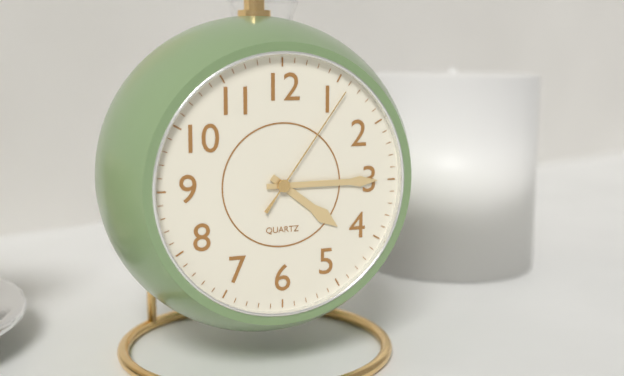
4:15:06
